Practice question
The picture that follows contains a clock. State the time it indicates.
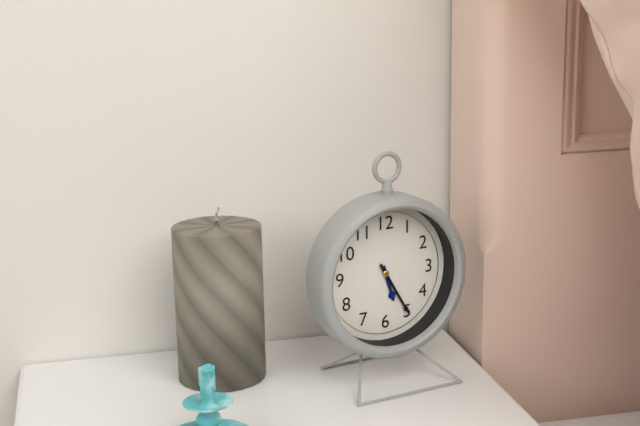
5:25
